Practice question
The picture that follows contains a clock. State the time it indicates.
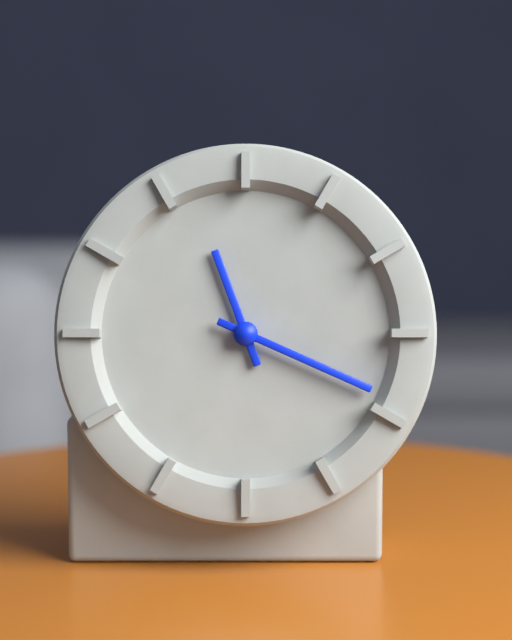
11:19
